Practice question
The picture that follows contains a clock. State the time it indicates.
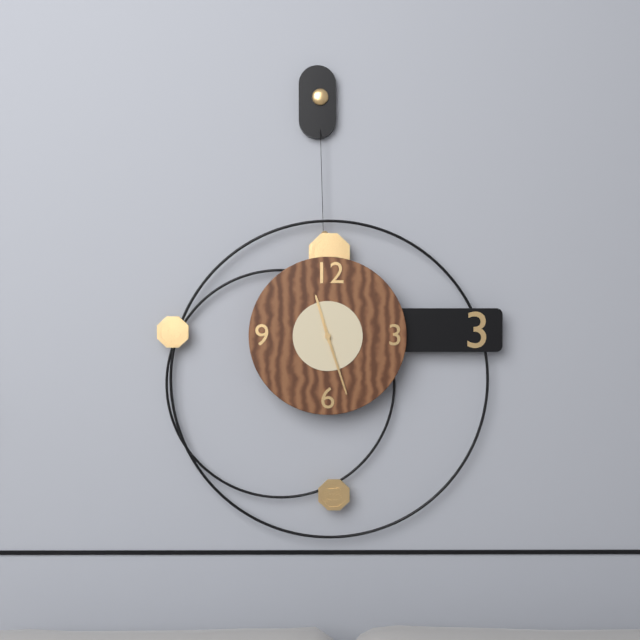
11:27:27
